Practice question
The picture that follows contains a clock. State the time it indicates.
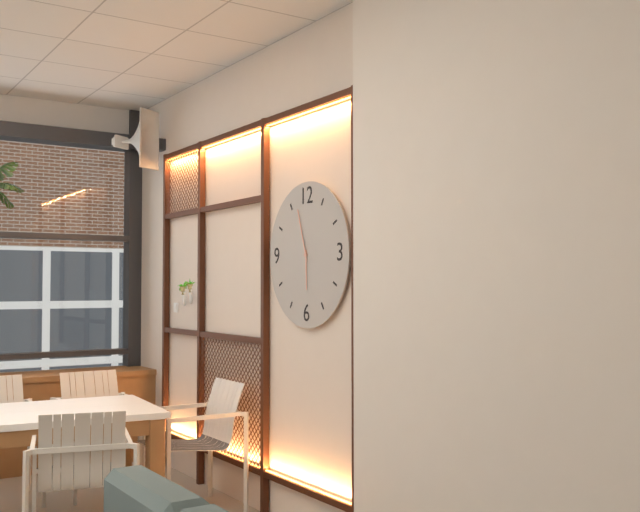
5:57
